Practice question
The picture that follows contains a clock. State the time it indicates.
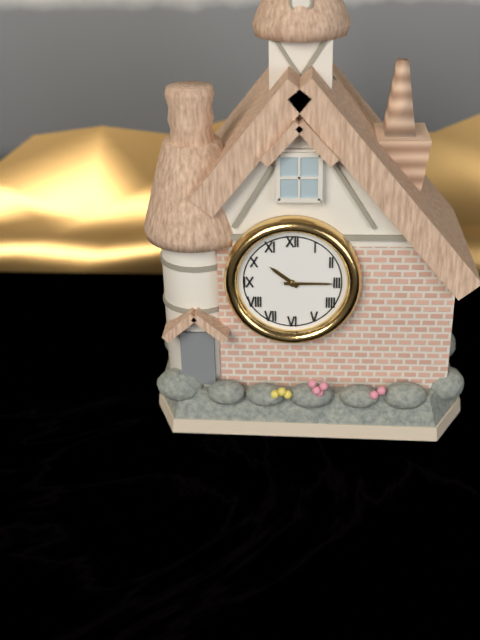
10:15
